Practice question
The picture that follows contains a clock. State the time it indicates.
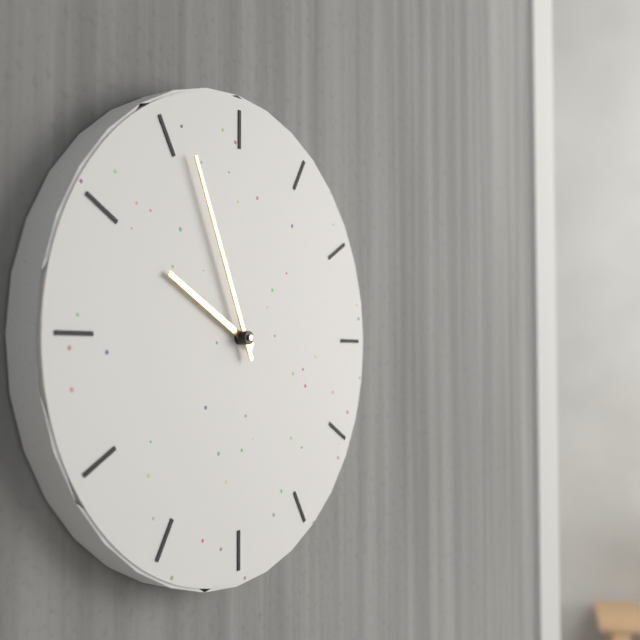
9:56
